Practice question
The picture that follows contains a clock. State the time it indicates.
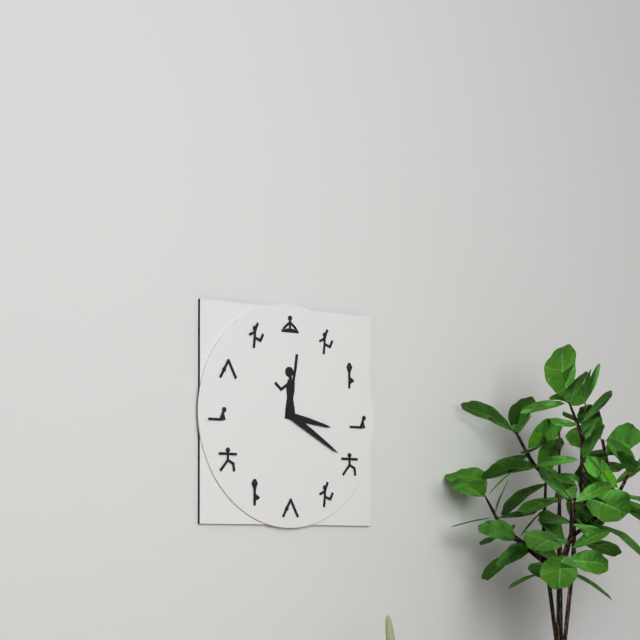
3:20
